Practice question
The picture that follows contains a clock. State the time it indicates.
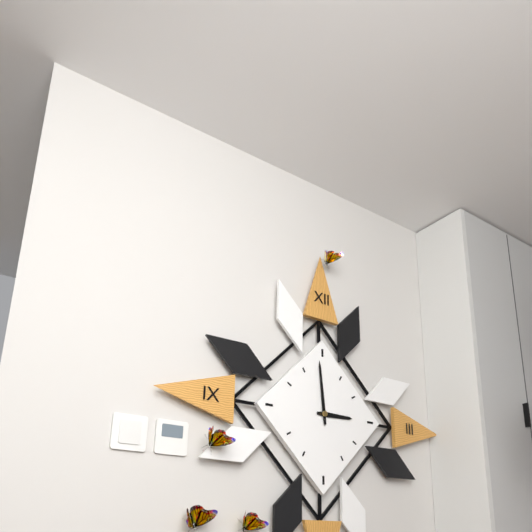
2:59
